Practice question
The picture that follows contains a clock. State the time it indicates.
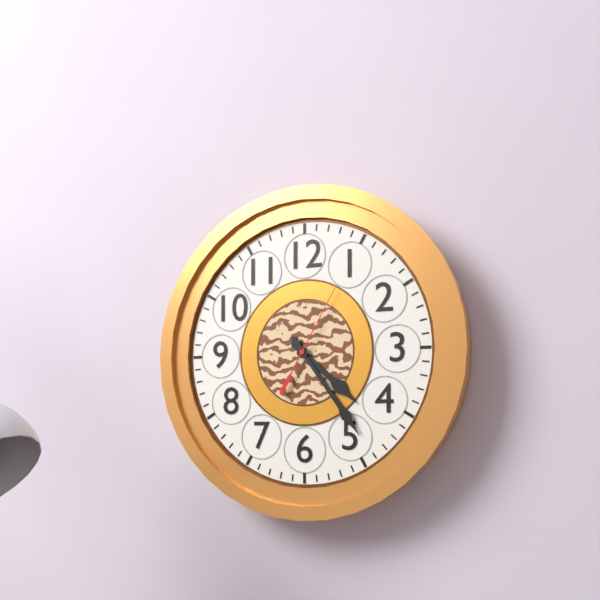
4:24:05
